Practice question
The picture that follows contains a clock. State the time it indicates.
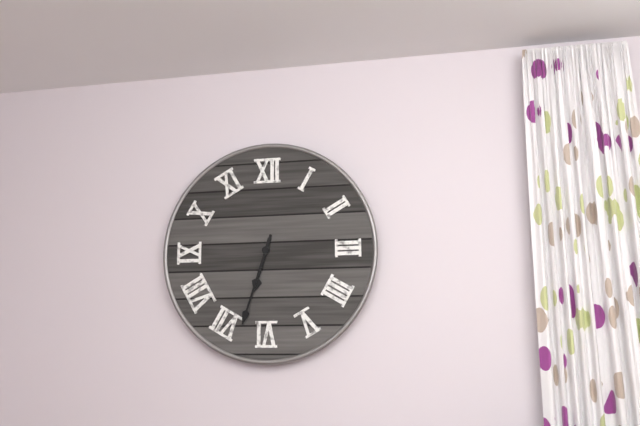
6:33
